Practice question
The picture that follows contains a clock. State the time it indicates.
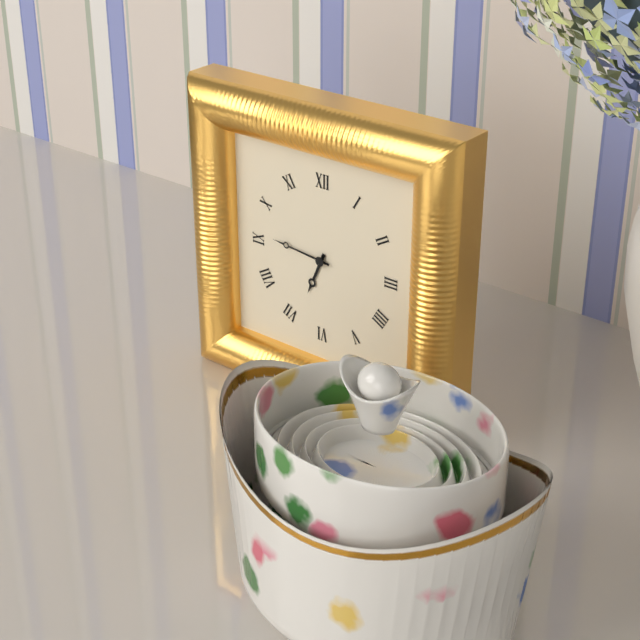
6:46
